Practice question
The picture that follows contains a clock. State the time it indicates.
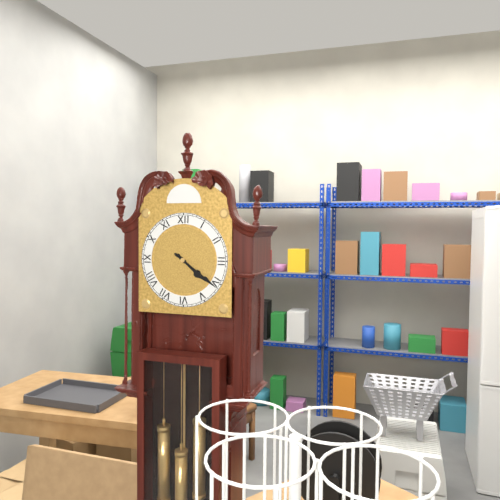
4:21
